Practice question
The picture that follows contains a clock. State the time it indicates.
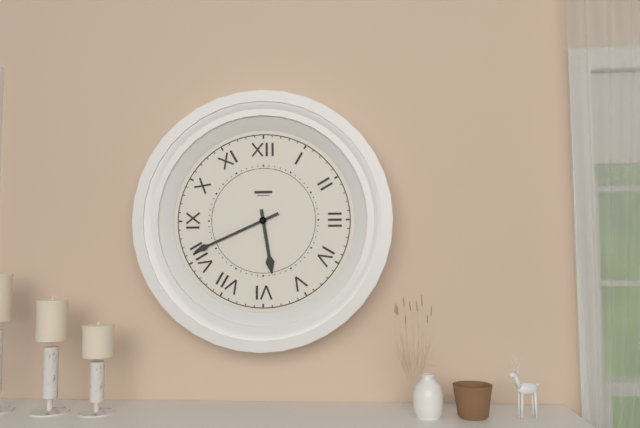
5:41
